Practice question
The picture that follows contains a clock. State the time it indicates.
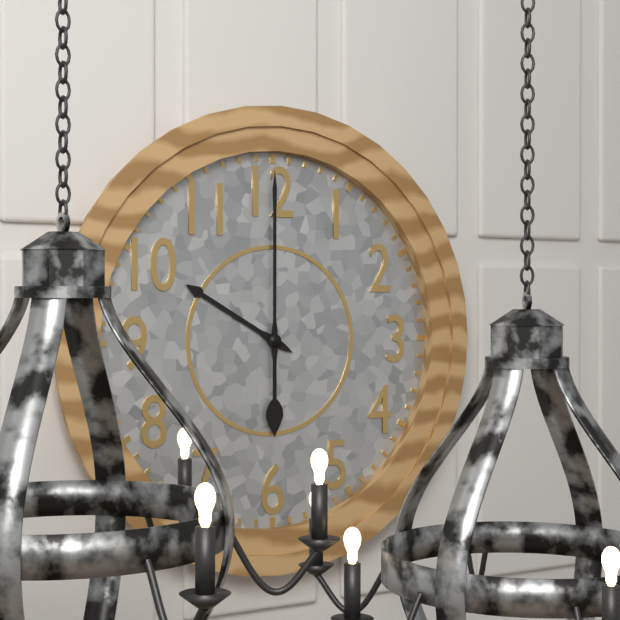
10:00
